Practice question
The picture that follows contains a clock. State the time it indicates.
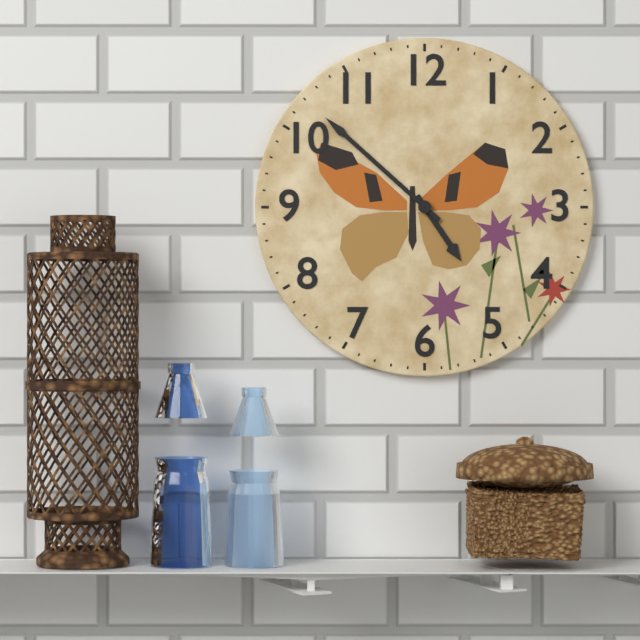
4:52
